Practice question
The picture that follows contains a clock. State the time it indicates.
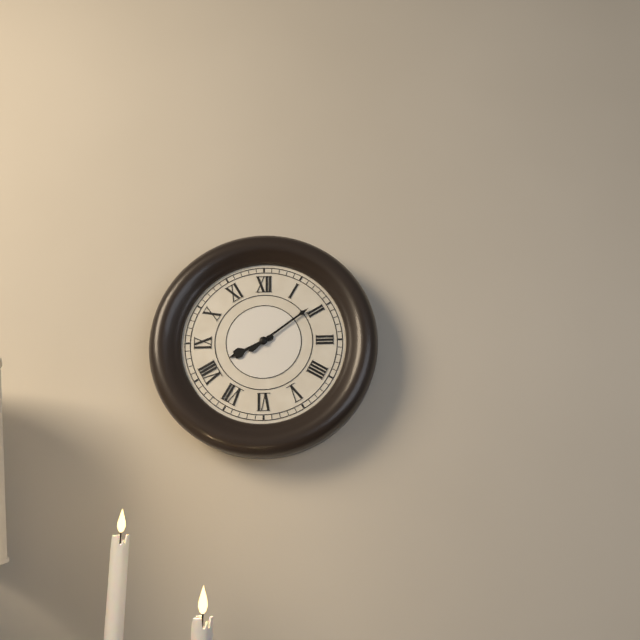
8:09
